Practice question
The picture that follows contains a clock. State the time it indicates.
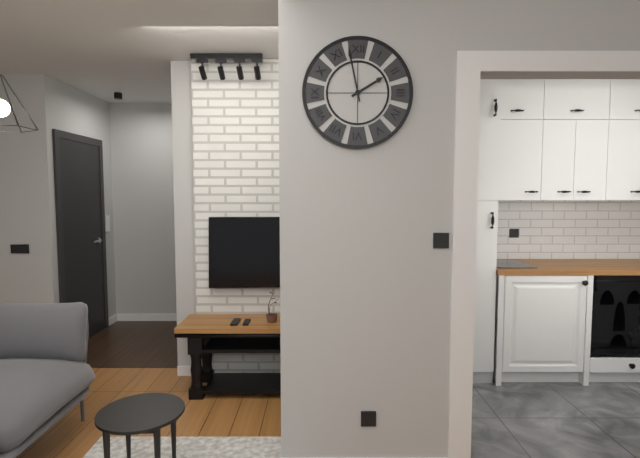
1:58
